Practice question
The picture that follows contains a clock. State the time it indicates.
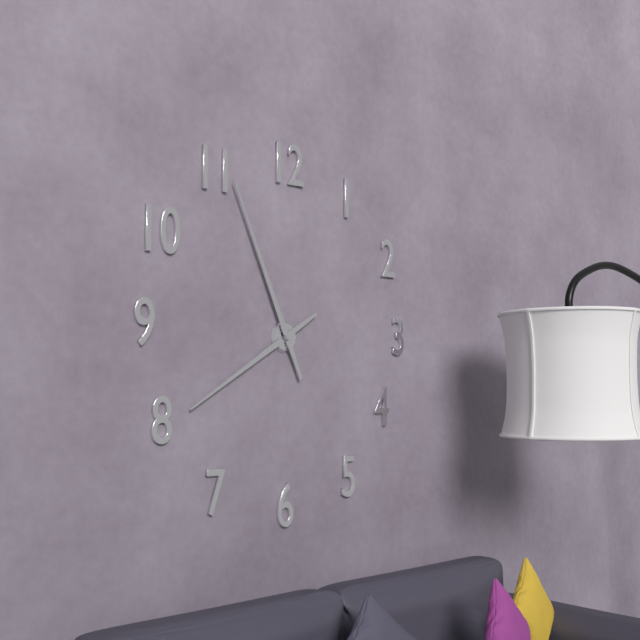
7:56
